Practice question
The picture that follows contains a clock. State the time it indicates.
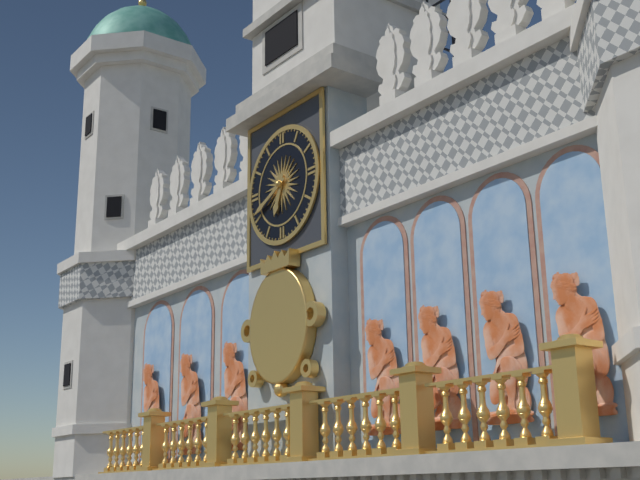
6:41
